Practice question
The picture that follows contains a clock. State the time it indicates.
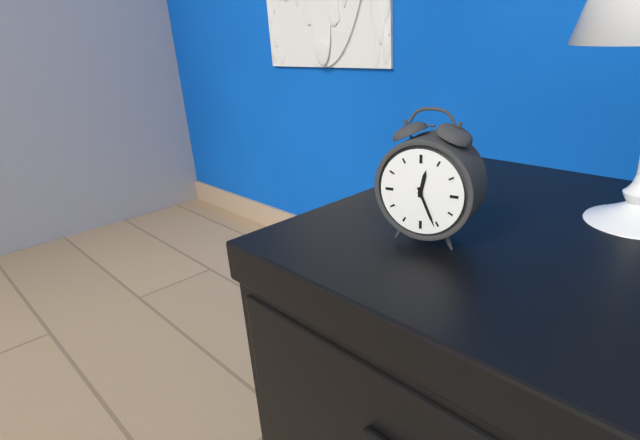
12:26
